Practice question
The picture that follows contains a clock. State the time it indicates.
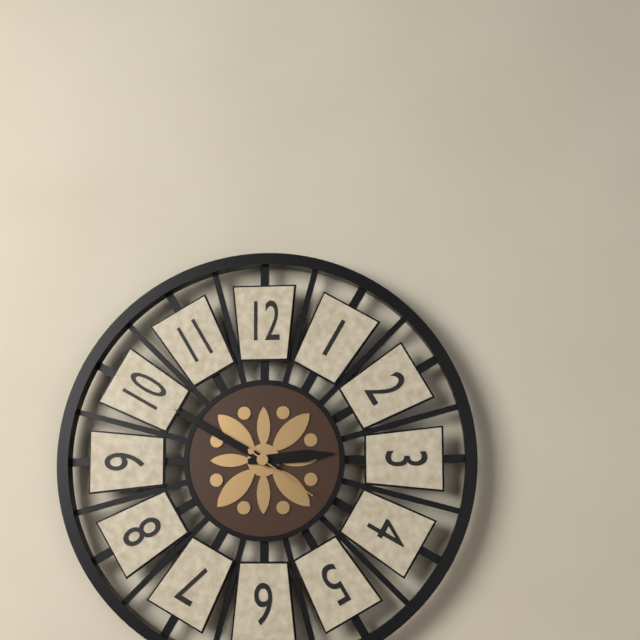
2:50:21
